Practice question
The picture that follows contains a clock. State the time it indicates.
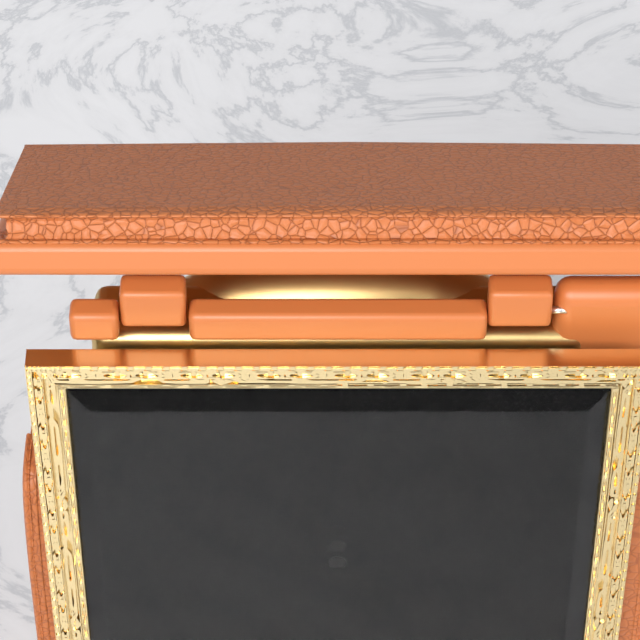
9:21
